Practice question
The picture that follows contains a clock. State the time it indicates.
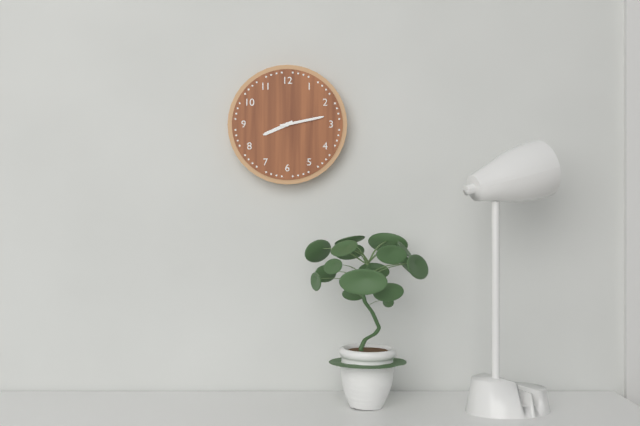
8:13
